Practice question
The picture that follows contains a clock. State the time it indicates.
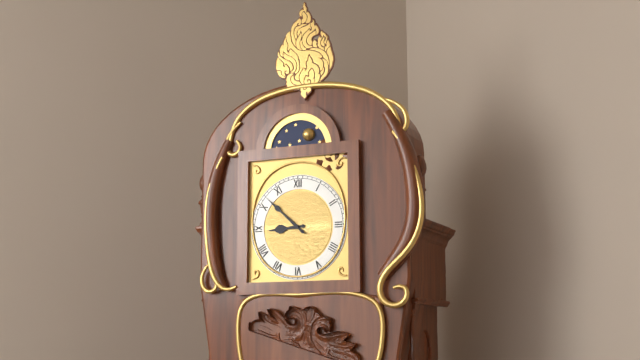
8:52
